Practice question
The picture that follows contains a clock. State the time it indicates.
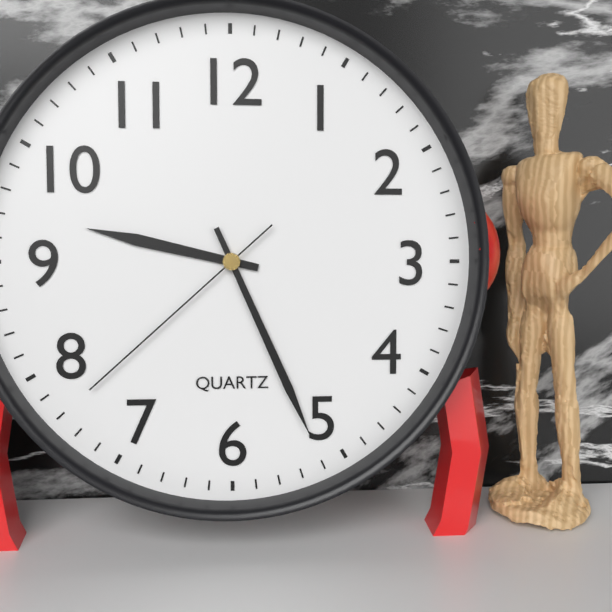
9:26:38
